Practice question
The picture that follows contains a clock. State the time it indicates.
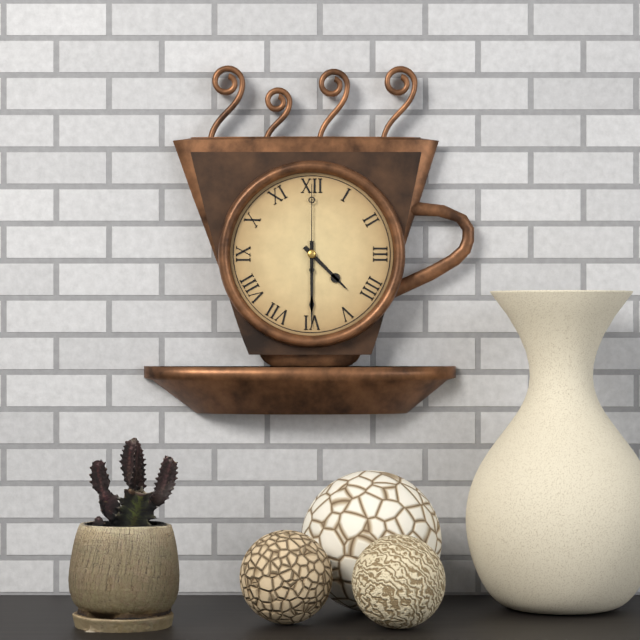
4:30:00
